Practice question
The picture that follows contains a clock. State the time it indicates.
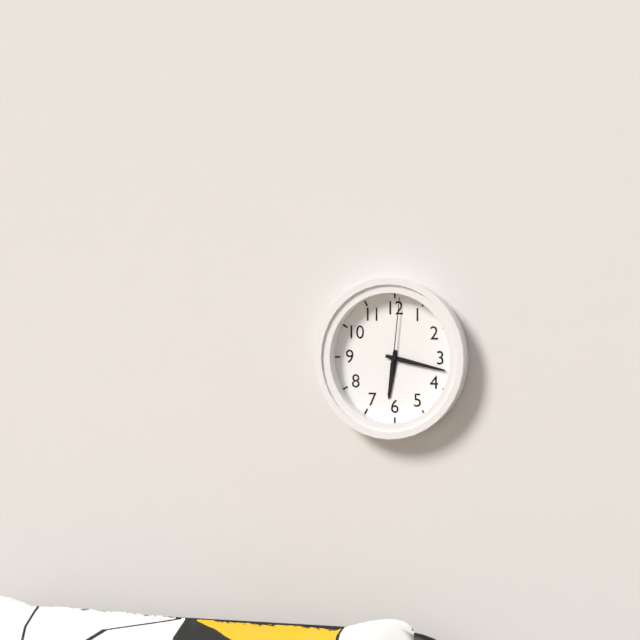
6:17:01
